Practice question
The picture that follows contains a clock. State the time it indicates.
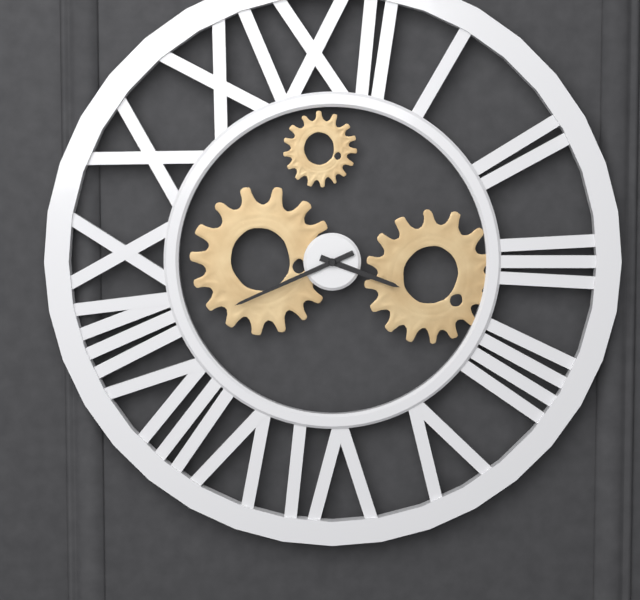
3:41
